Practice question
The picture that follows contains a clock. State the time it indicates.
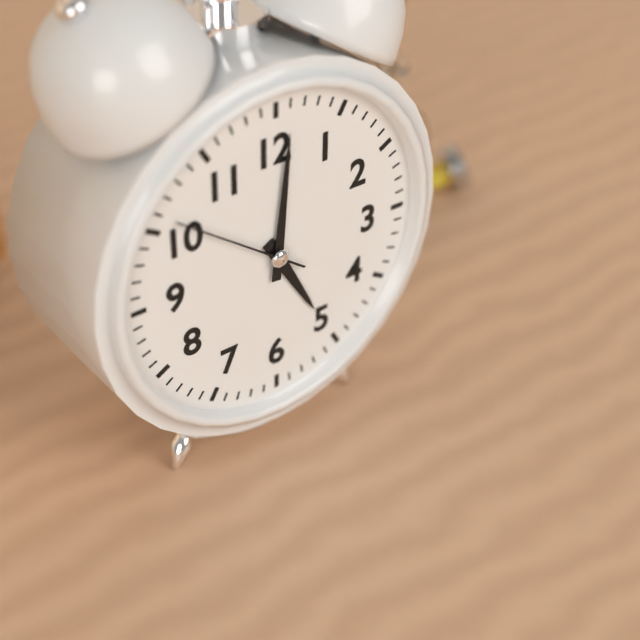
5:01:51
